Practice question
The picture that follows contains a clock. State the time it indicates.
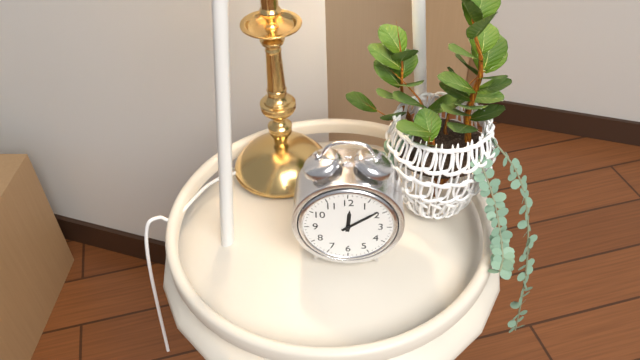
12:09
